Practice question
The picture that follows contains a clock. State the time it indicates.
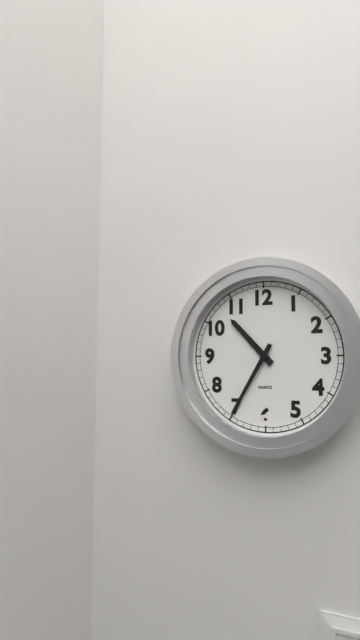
10:35
